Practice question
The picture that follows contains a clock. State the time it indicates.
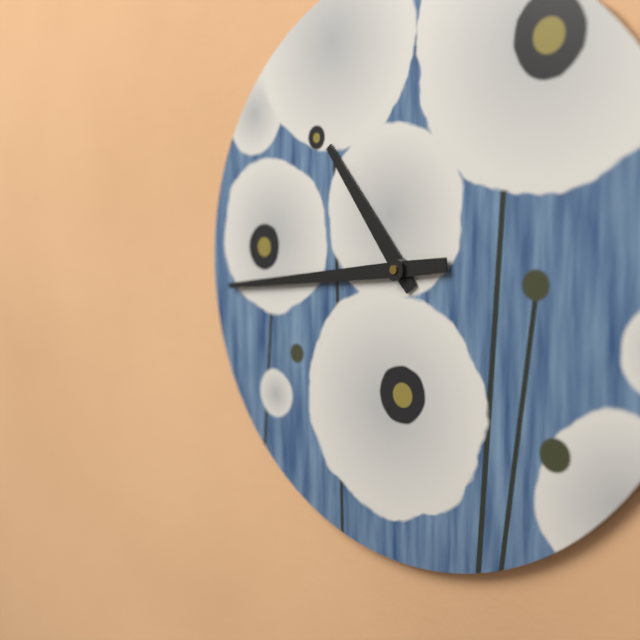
10:44
